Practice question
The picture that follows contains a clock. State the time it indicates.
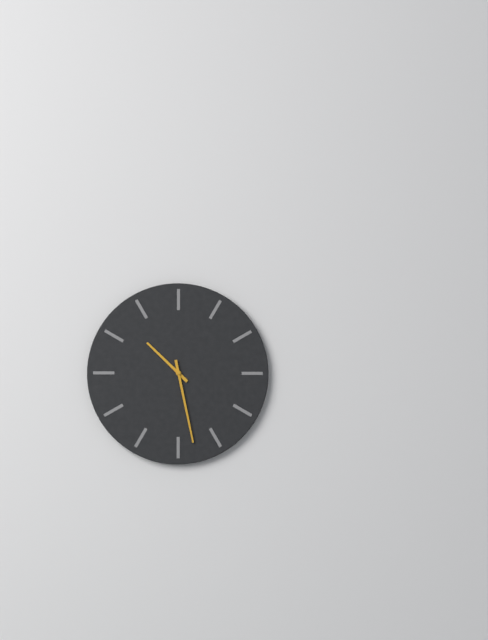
10:28
